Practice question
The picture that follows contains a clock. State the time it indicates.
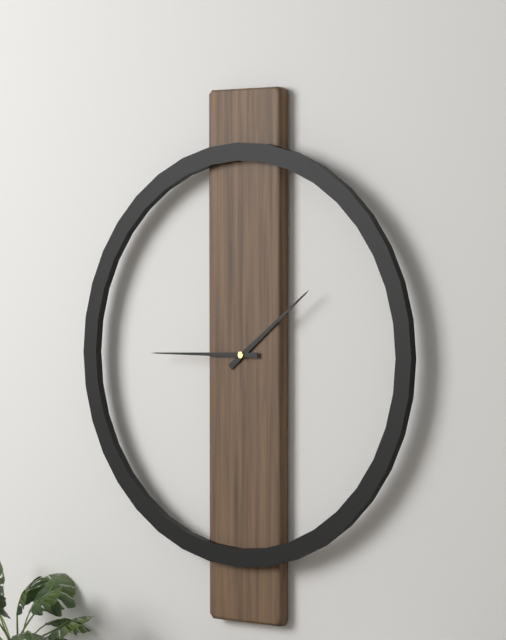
1:45
